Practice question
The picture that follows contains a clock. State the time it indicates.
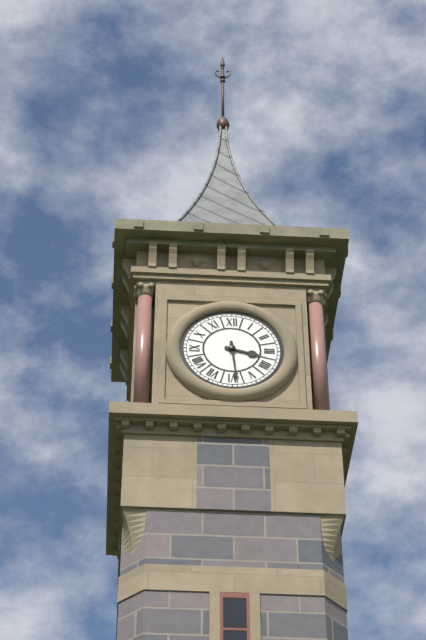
3:29
